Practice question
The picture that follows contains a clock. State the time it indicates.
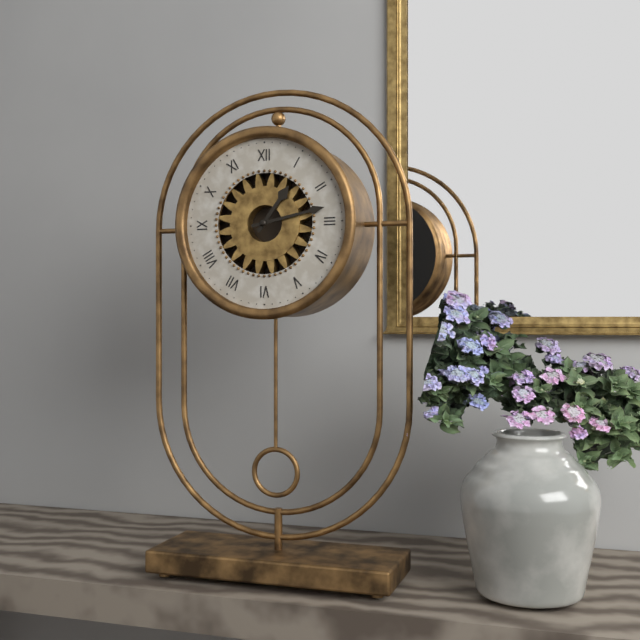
1:13
